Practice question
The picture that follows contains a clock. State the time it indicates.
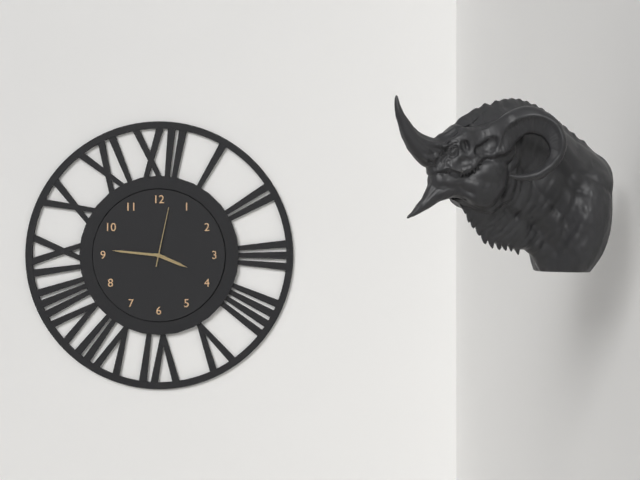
3:46:02
